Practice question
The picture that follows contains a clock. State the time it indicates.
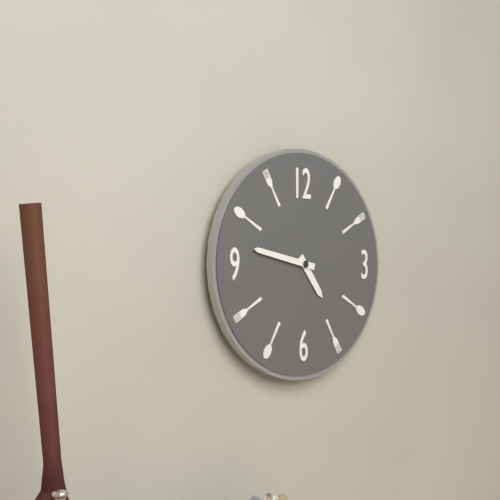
4:47
